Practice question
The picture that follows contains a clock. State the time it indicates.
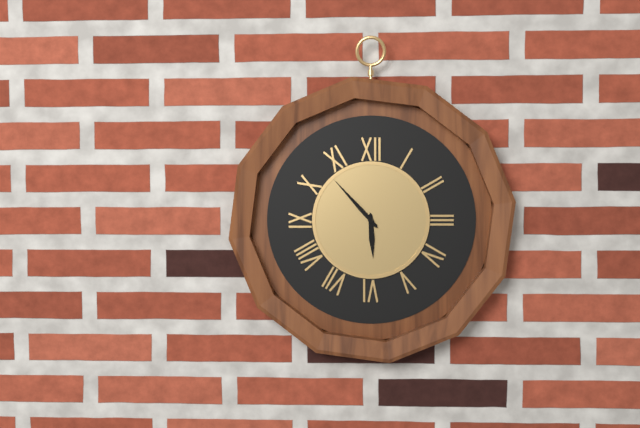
5:53
